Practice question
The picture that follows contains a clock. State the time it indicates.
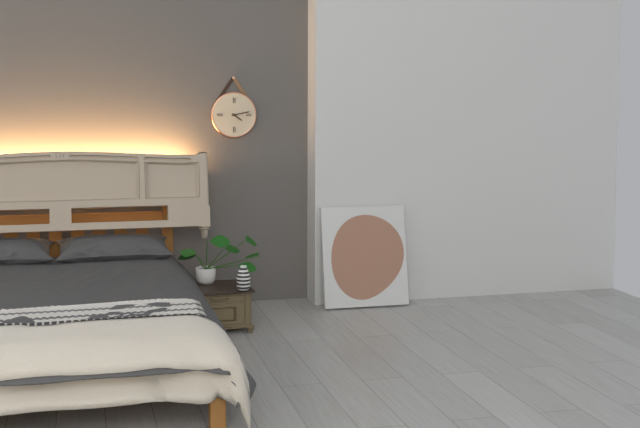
4:13
